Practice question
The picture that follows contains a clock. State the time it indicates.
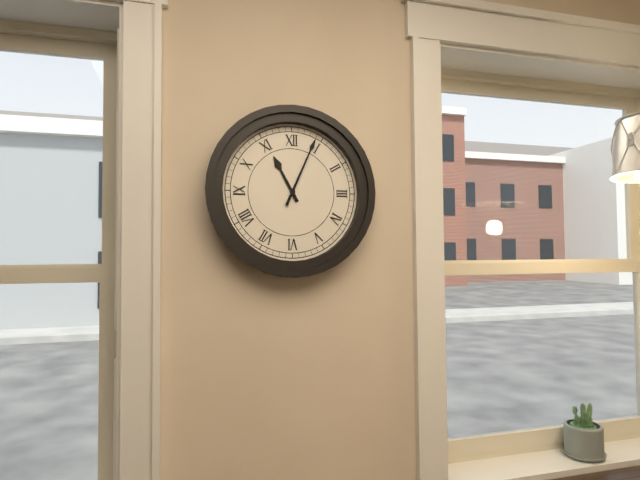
11:04
